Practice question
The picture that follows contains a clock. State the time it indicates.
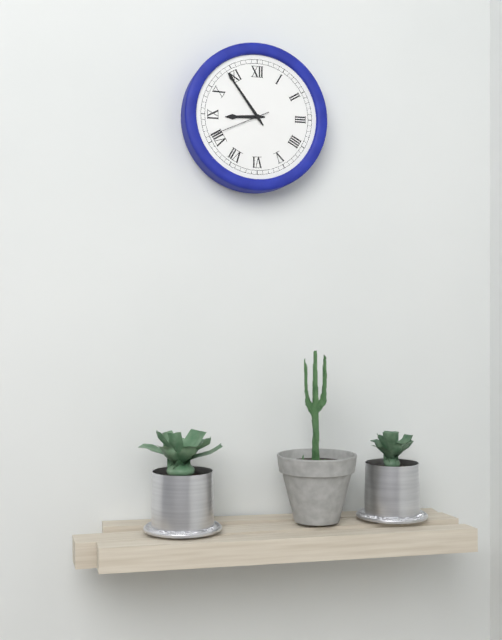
8:54:41
